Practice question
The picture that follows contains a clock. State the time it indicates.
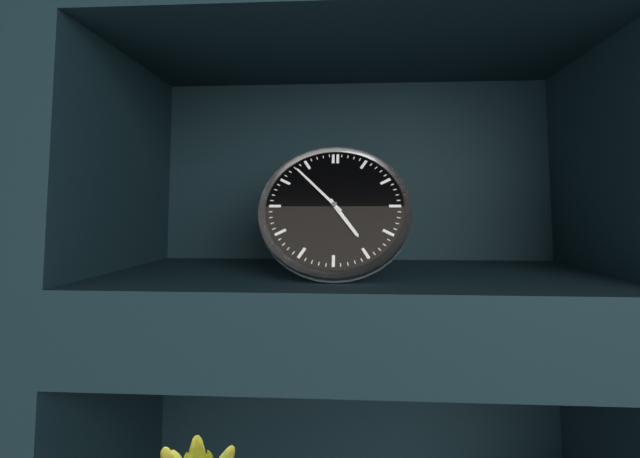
4:53
